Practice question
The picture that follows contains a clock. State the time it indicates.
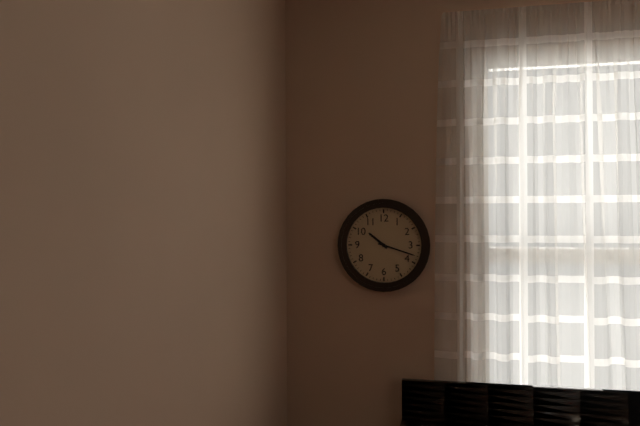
10:18
